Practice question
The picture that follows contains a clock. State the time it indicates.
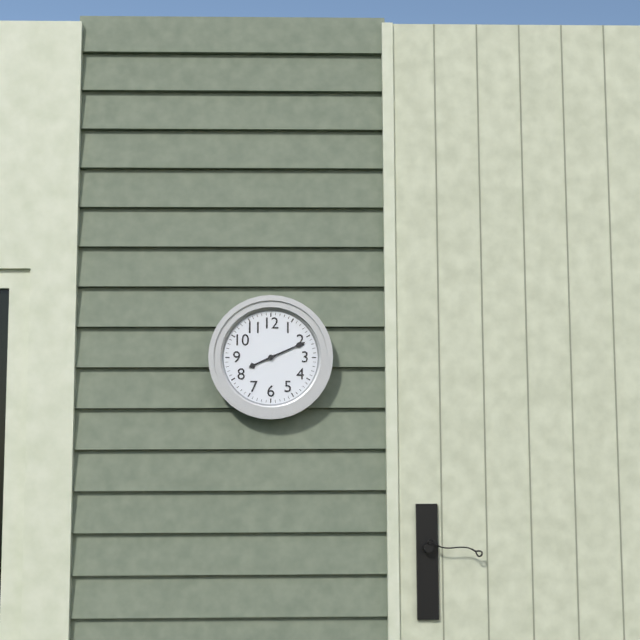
8:11
